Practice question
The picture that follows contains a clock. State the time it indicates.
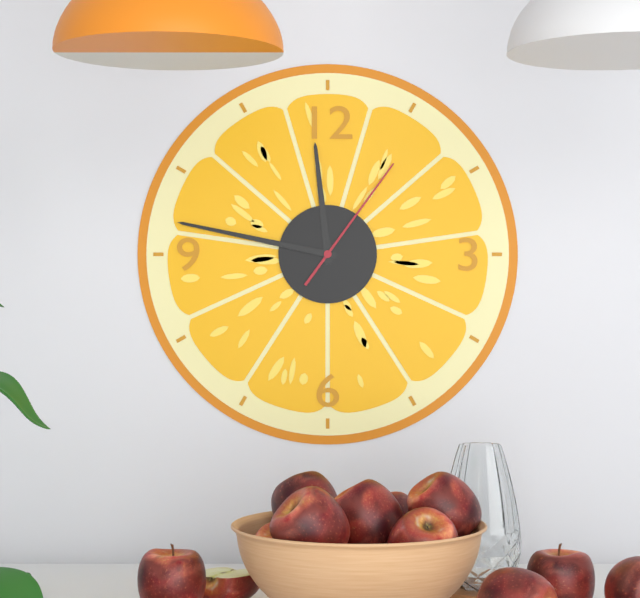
11:47:06
